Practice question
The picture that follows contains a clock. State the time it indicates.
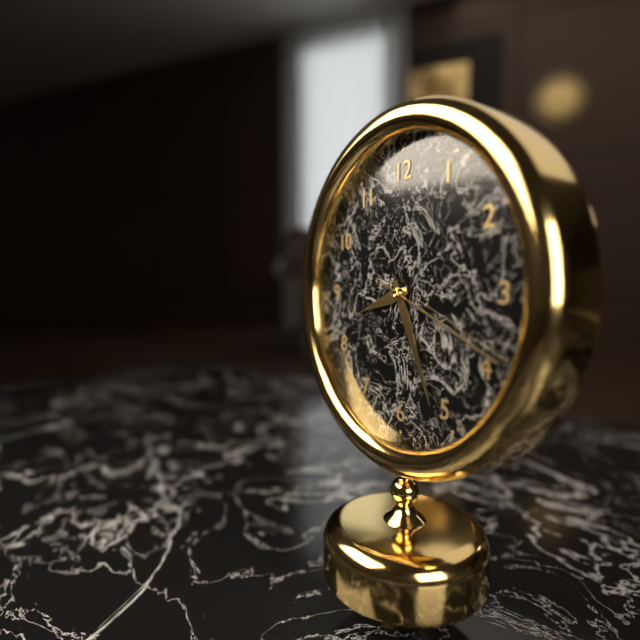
8:26:19
